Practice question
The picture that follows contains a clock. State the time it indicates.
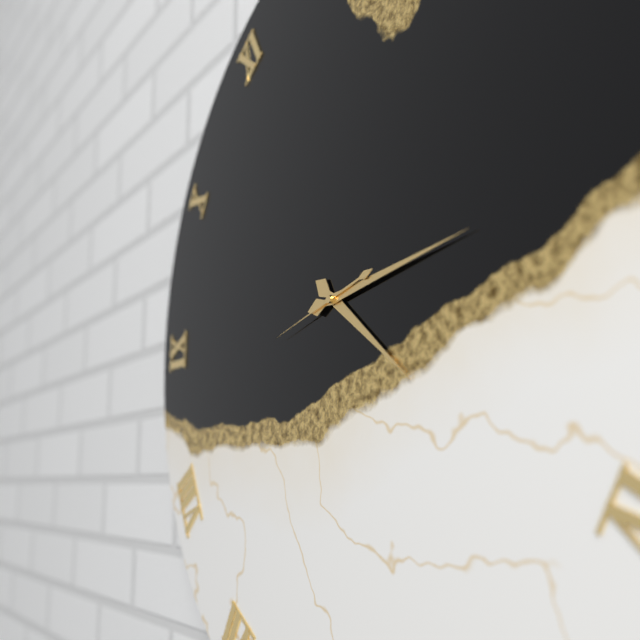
4:14:43
